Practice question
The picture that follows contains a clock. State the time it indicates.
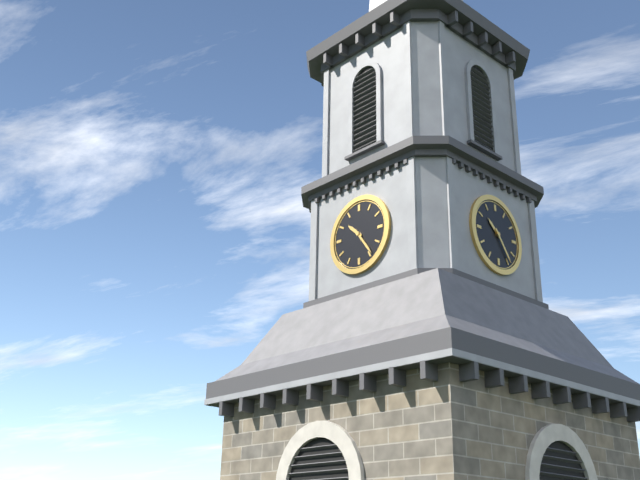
10:24
